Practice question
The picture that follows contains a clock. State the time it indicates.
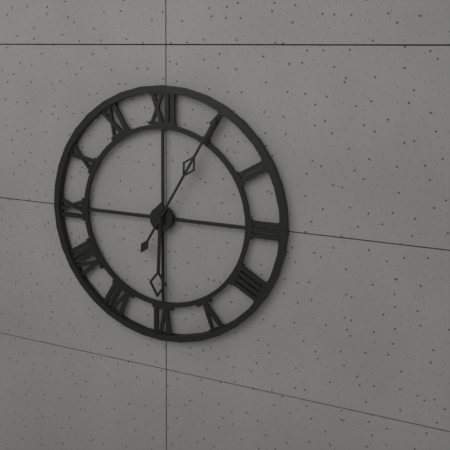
6:05
